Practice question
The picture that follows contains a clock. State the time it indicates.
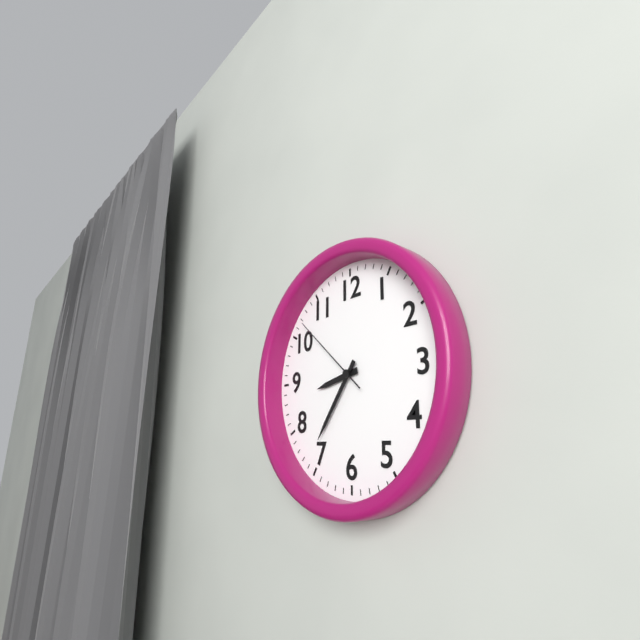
8:36:52
